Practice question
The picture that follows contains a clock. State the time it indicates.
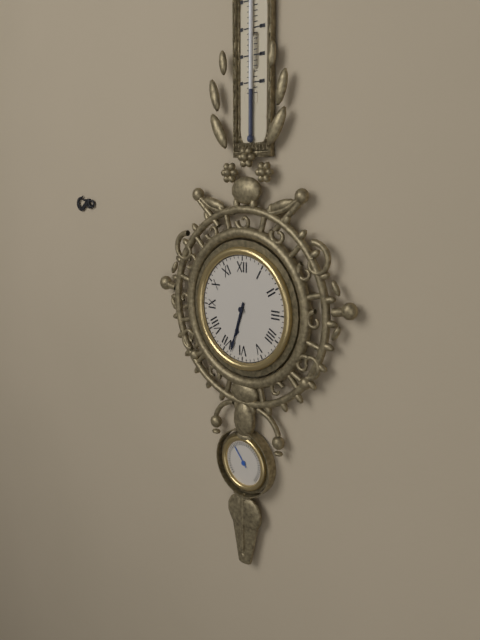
6:33
